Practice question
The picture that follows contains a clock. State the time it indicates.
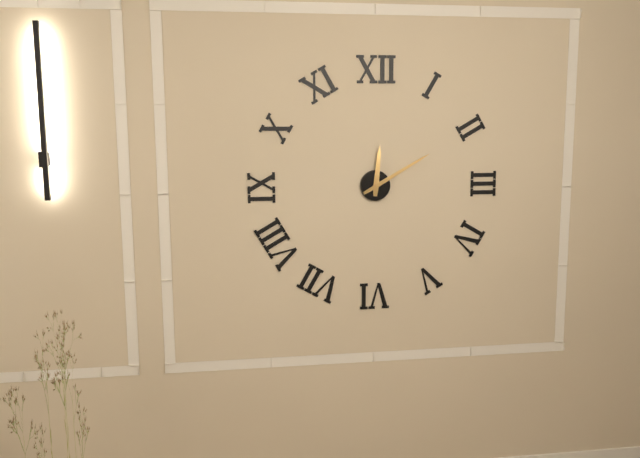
12:10
